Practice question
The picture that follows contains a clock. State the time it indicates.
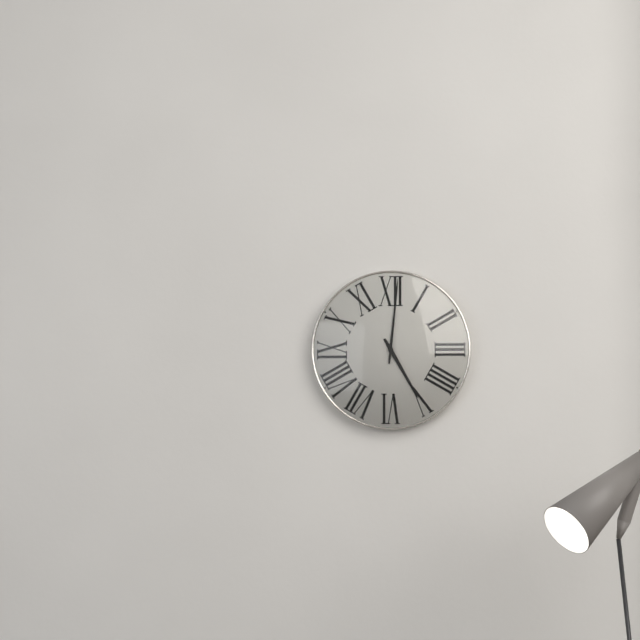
5:01
